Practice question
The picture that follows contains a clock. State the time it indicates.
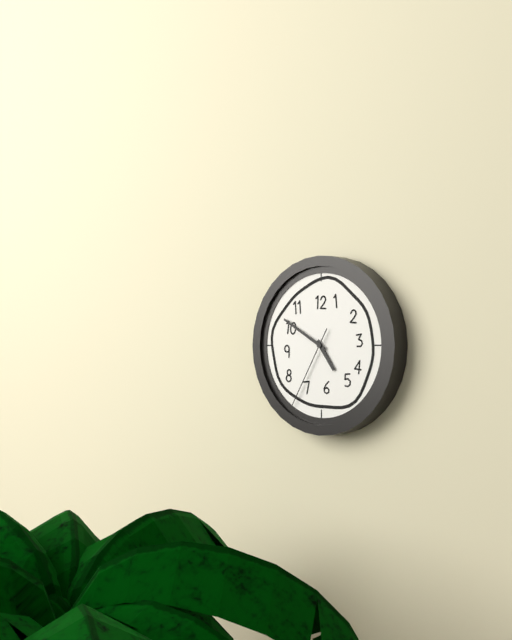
4:50:35
